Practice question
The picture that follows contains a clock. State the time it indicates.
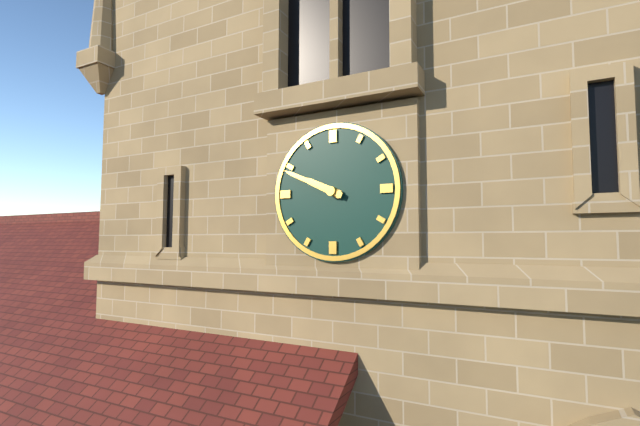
9:49
